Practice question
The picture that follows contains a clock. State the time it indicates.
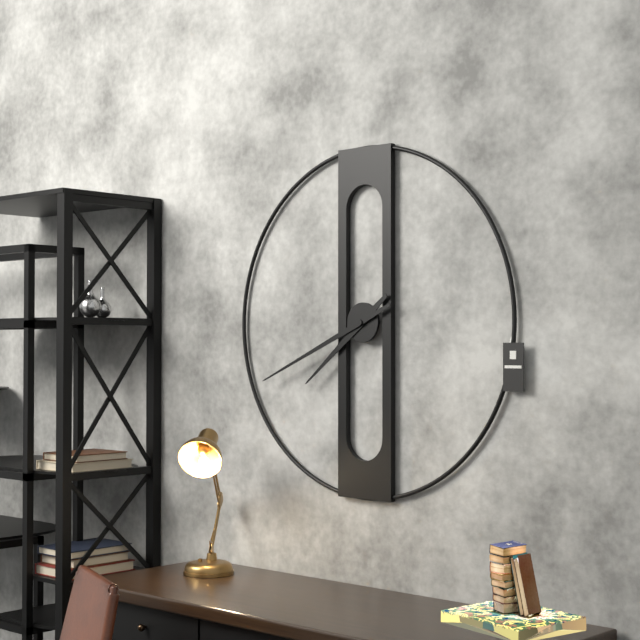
7:41
